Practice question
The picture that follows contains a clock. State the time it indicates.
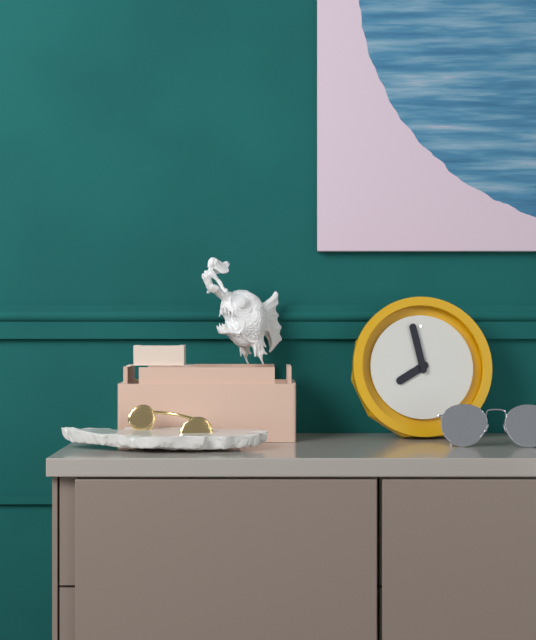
7:58
